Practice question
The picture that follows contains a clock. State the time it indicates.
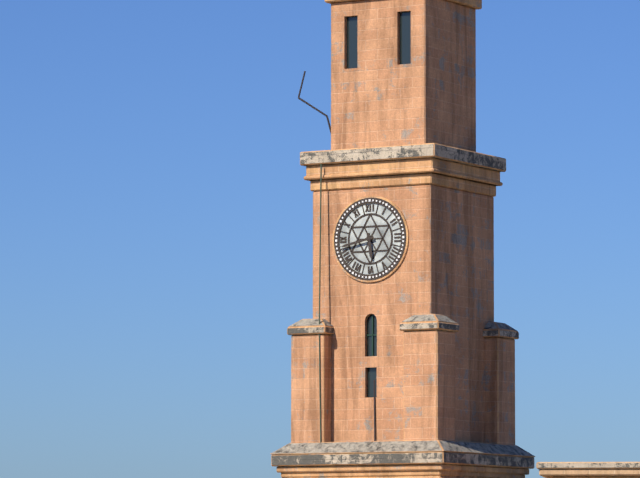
5:43
